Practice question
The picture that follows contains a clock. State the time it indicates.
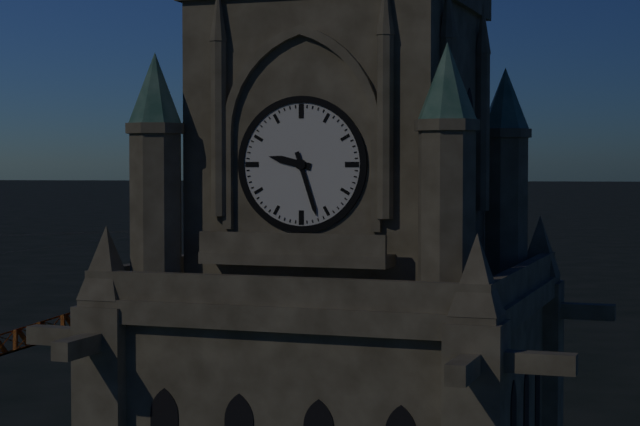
9:27
